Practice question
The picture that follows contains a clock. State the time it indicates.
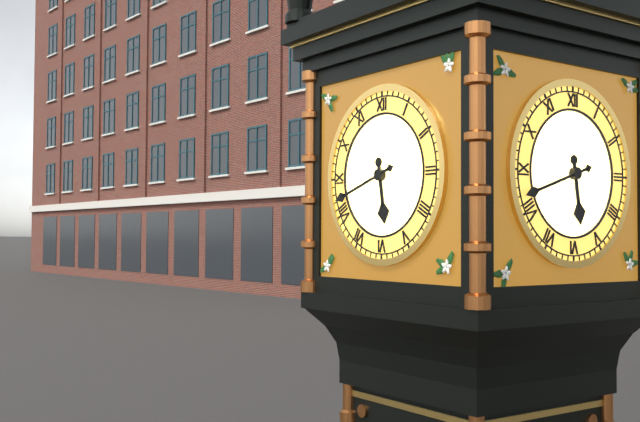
5:42
